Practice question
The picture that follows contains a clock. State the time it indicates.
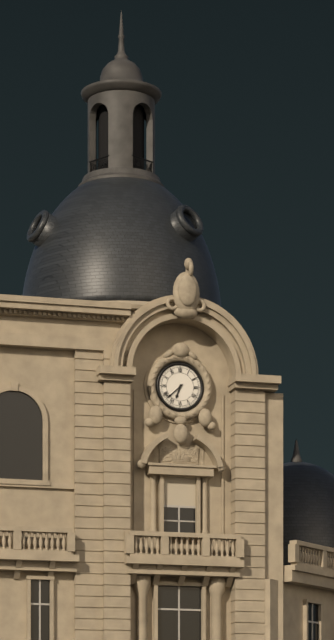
6:38
